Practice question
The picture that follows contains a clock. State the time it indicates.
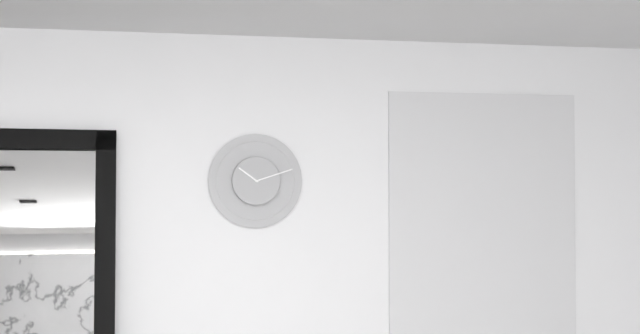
10:12
